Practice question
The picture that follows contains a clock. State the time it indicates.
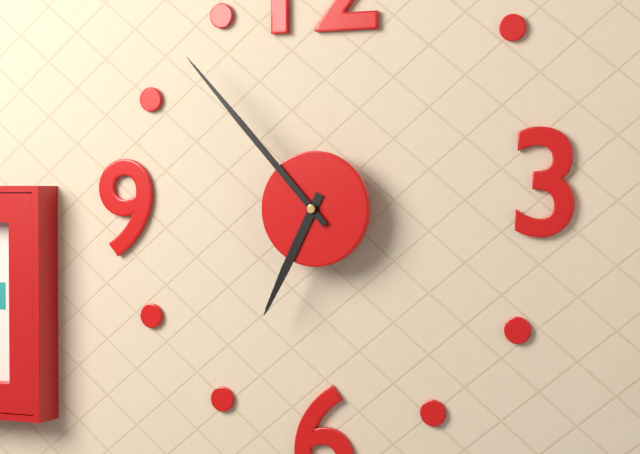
6:53
